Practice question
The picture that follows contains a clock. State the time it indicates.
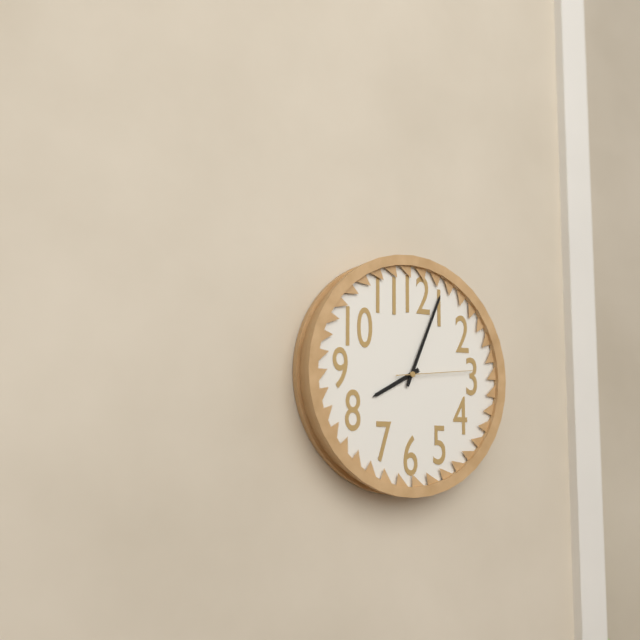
8:04:14
